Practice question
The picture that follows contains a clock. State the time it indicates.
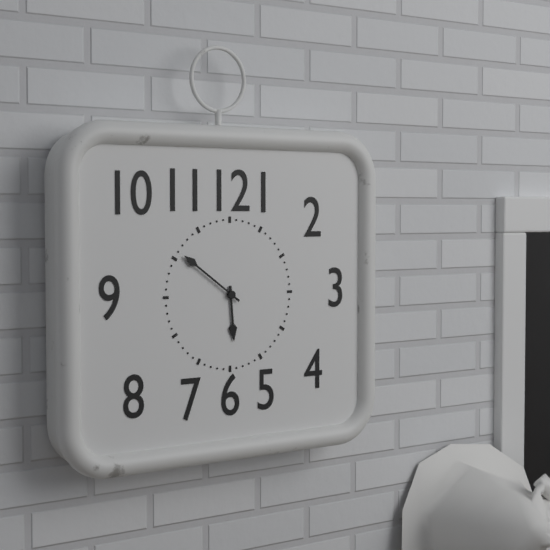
5:51
